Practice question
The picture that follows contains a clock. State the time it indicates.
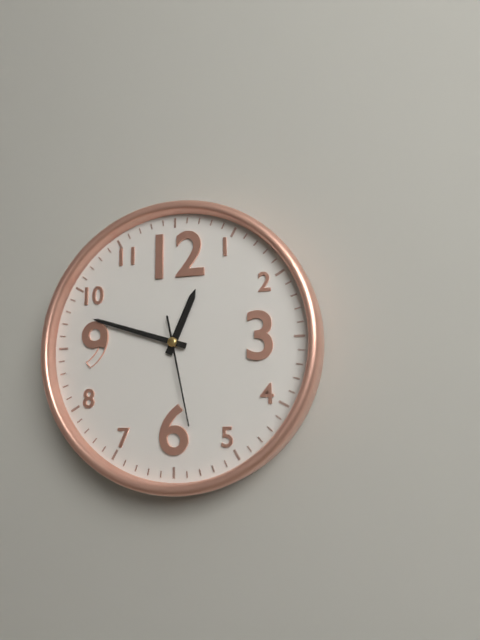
12:48:28
